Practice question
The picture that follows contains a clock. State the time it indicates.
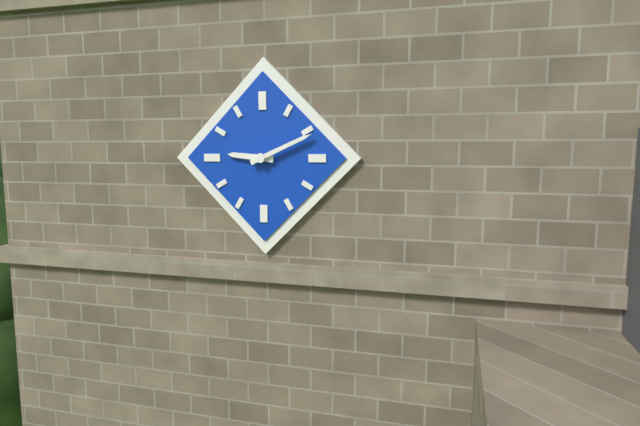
9:11
